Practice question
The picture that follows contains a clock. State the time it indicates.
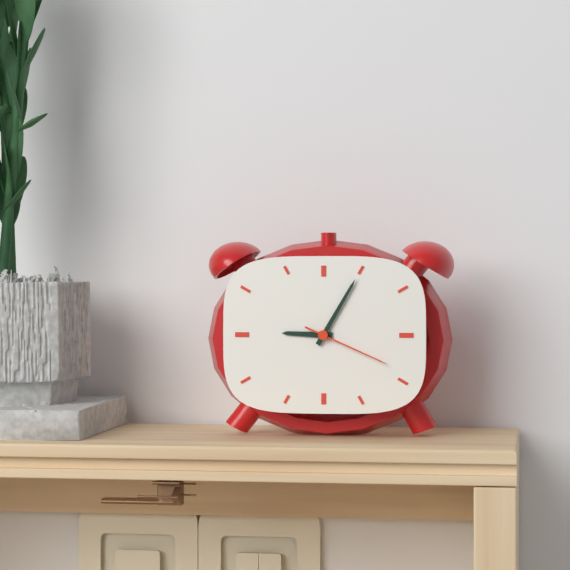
9:05:19
